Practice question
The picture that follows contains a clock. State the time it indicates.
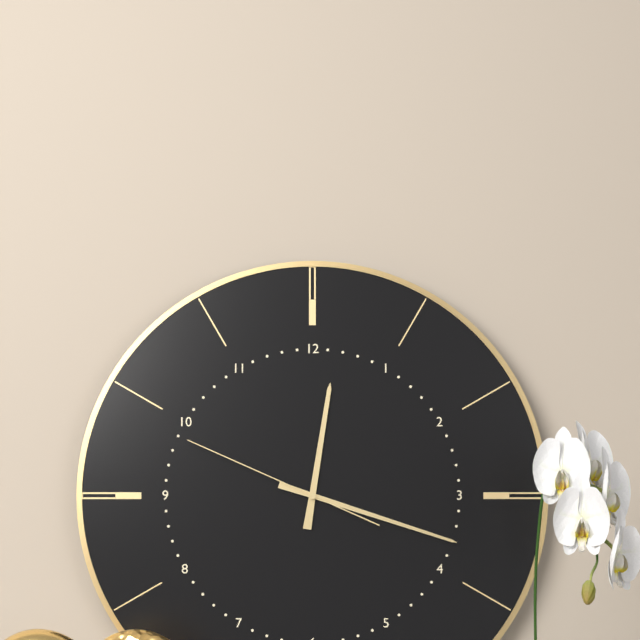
12:18:49
